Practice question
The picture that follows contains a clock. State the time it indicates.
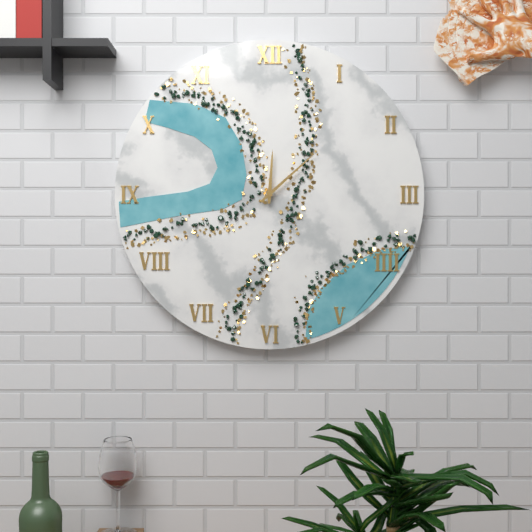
12:08
